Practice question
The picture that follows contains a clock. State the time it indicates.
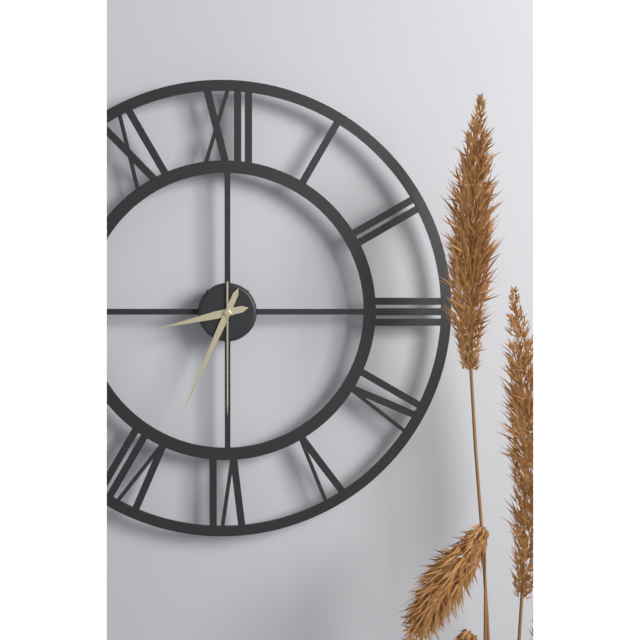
8:34:30
